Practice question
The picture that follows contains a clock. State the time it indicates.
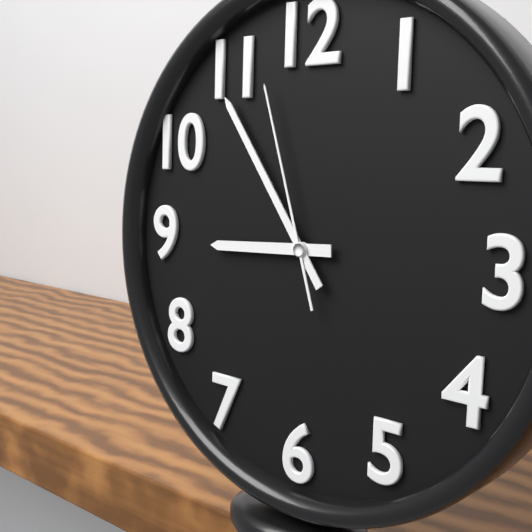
8:54:57
